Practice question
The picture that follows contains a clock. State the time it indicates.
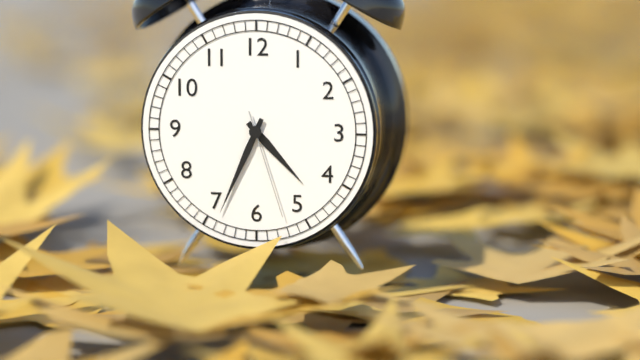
4:34:27
